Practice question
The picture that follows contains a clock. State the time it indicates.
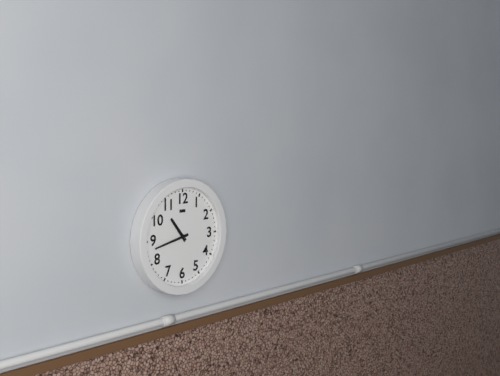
10:43
